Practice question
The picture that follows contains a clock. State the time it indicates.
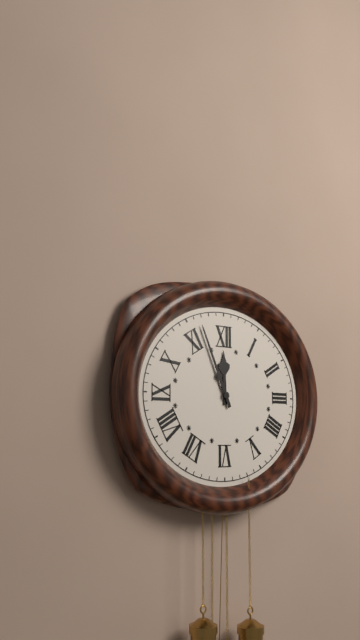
11:56
